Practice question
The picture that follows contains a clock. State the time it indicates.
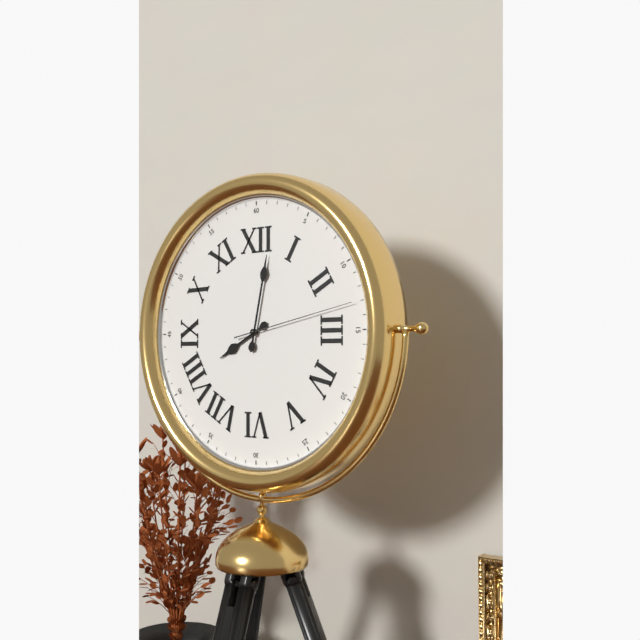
8:02:13
